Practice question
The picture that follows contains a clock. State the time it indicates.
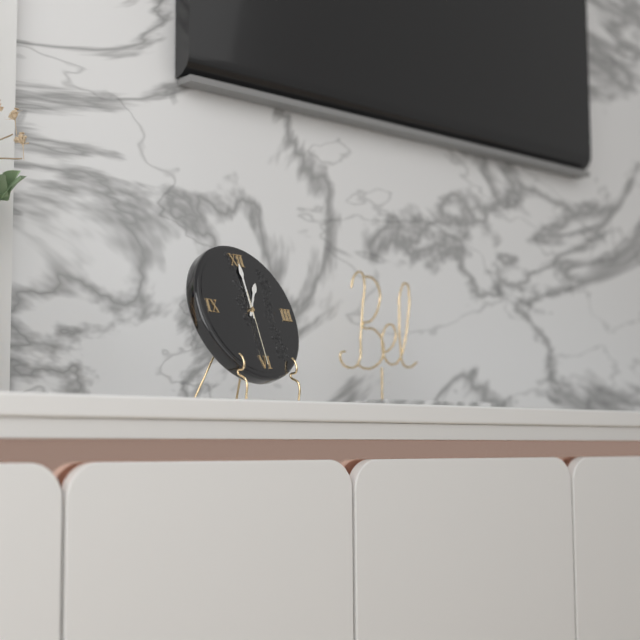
1:00:30
